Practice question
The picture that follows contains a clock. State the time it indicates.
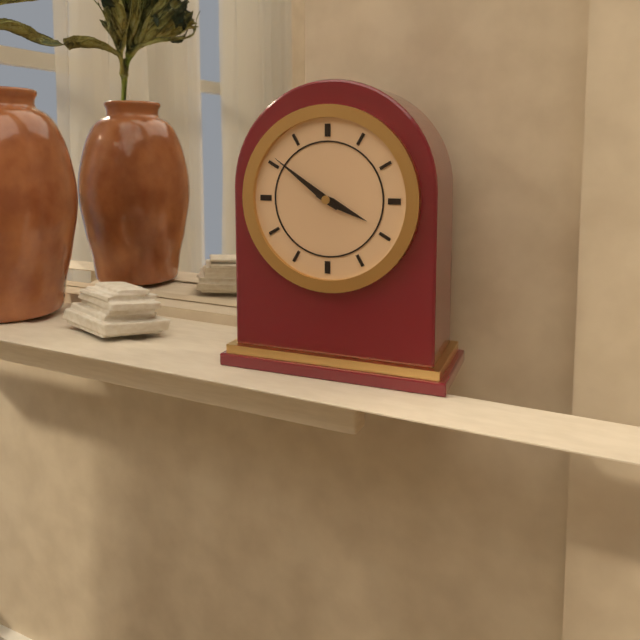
3:51
